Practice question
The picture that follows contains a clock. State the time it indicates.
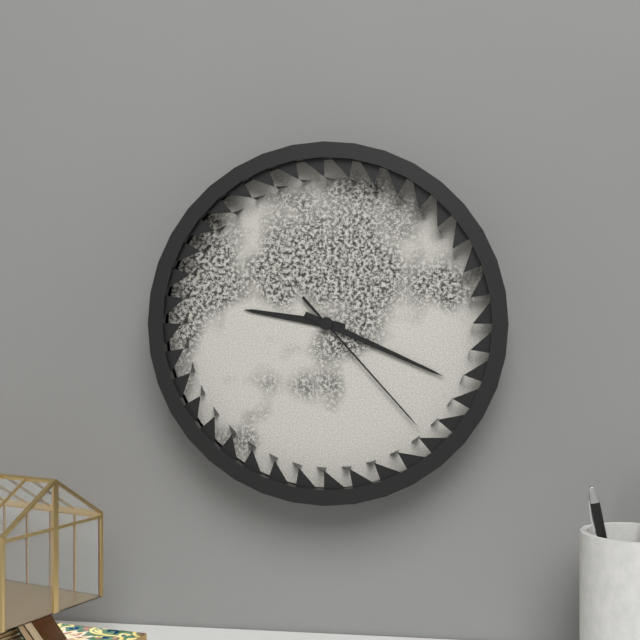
9:19:23
